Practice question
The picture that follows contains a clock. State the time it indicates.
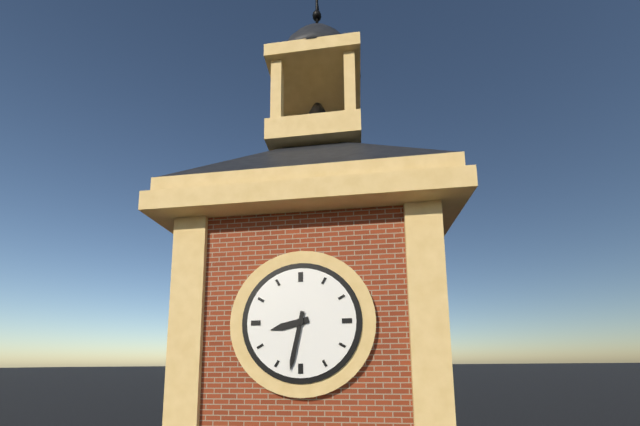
8:32
